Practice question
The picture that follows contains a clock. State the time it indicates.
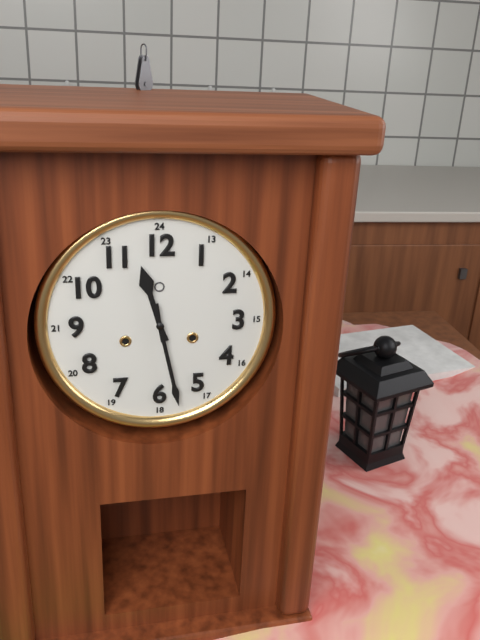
11:28
